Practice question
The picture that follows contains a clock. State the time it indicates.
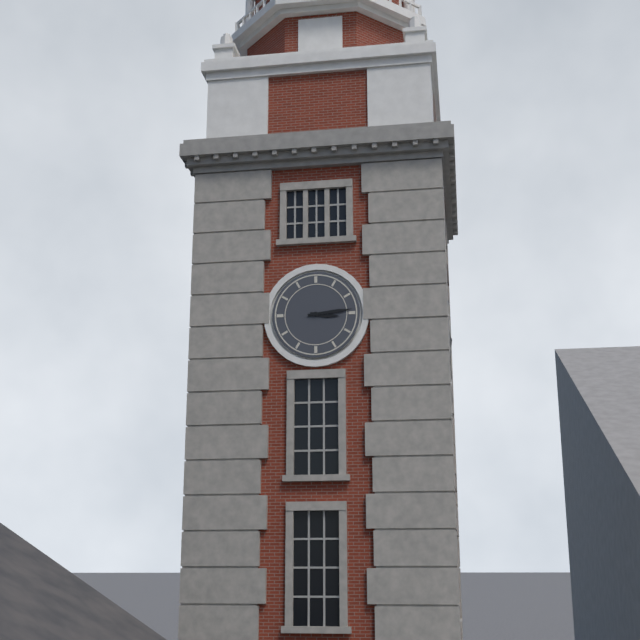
3:14
